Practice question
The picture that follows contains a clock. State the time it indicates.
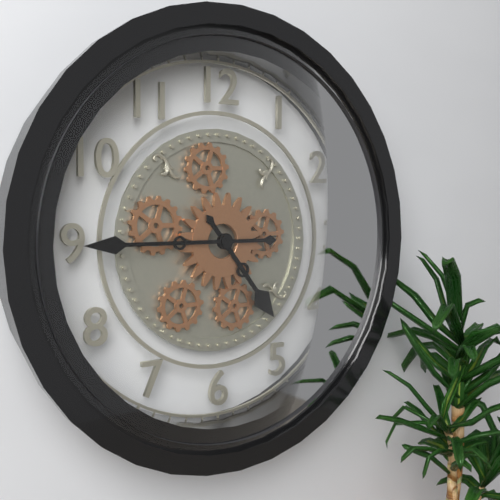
4:45
